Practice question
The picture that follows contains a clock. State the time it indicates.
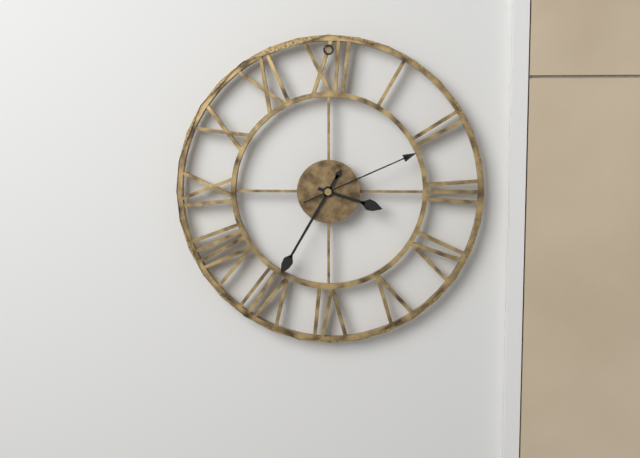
3:35:11
